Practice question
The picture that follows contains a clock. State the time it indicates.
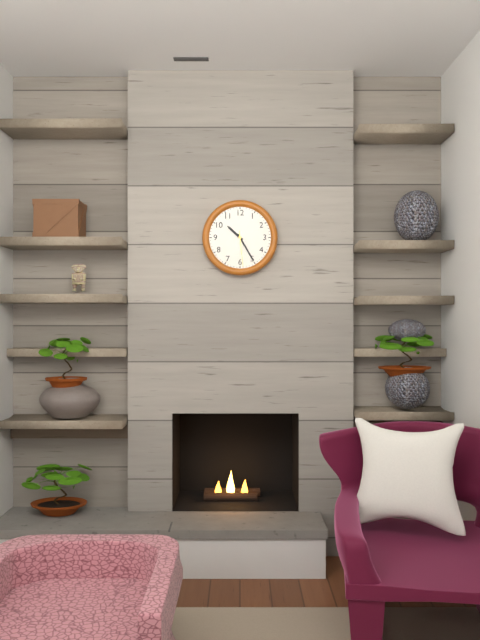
10:25
